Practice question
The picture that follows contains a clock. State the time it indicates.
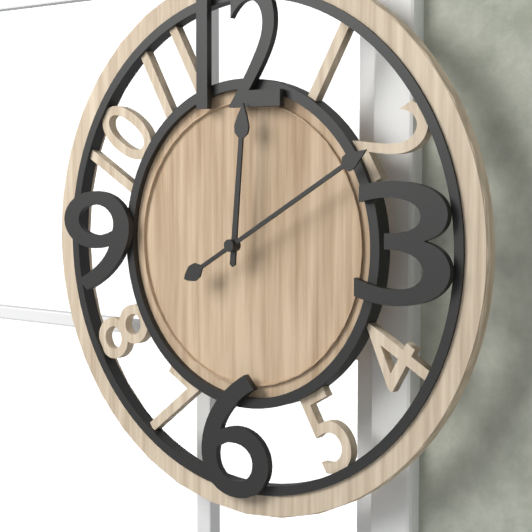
12:10
